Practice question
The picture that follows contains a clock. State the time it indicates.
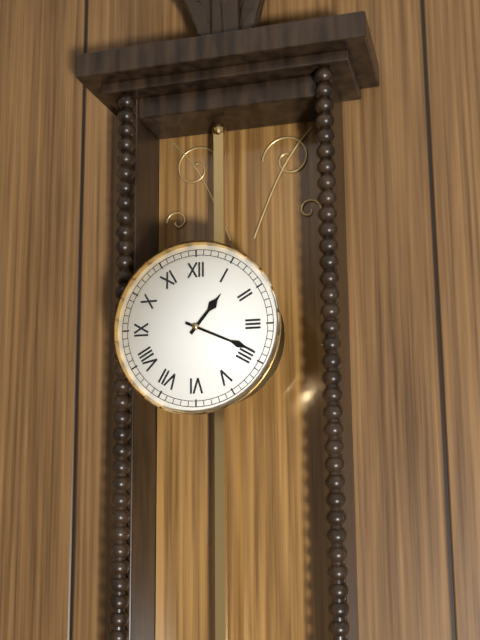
1:19
